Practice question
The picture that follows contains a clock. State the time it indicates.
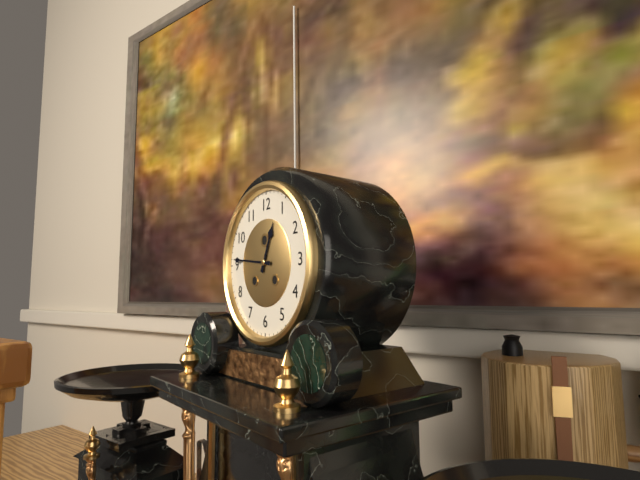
12:46
